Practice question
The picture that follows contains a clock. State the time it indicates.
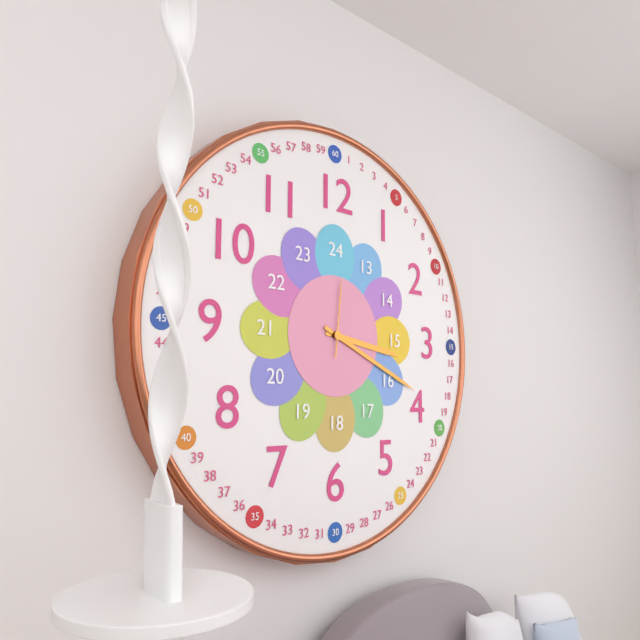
3:19:01
